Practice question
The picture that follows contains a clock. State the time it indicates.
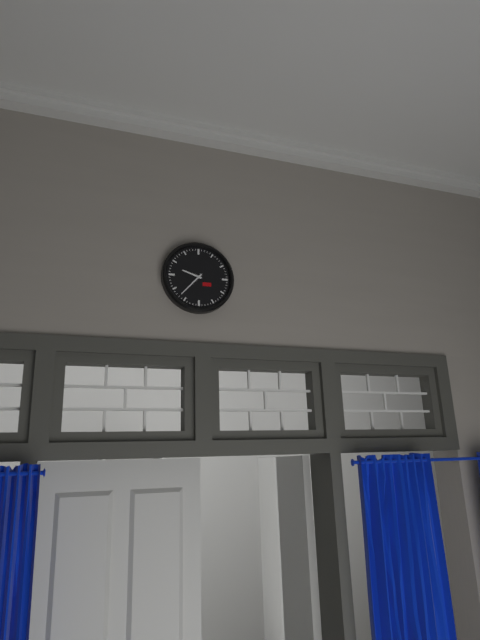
9:37
